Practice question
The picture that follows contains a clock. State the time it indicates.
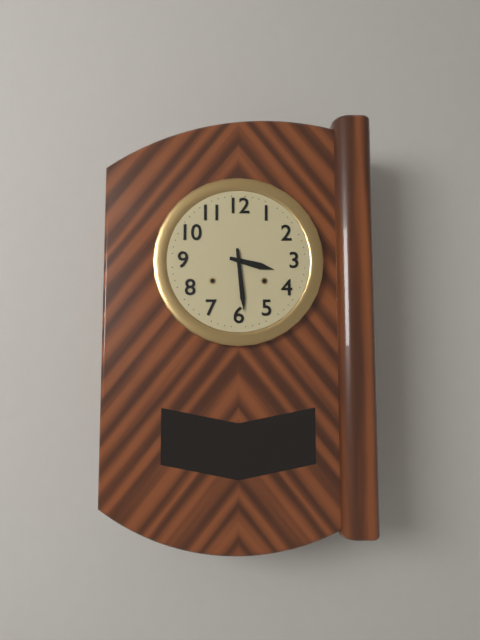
3:29
